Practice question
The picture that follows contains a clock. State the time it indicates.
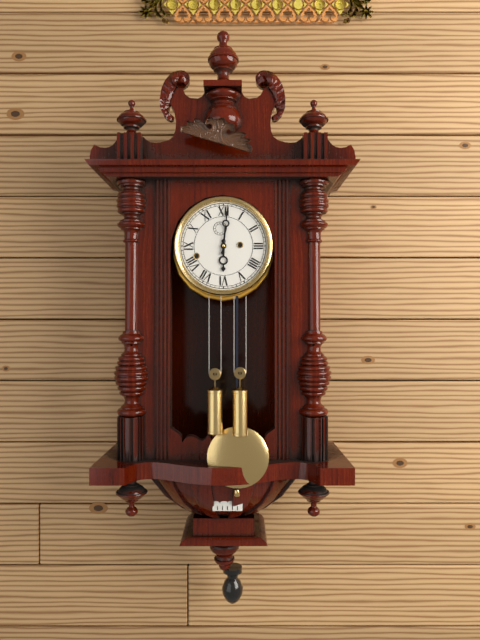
6:01
